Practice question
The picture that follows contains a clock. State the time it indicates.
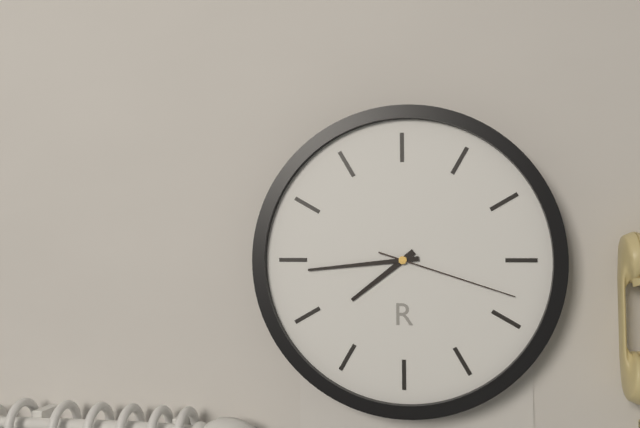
7:44:18
